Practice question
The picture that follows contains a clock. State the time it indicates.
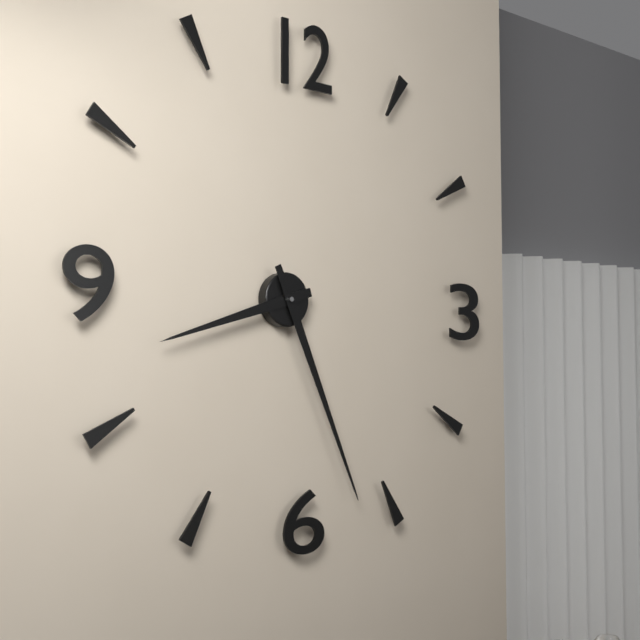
8:26
